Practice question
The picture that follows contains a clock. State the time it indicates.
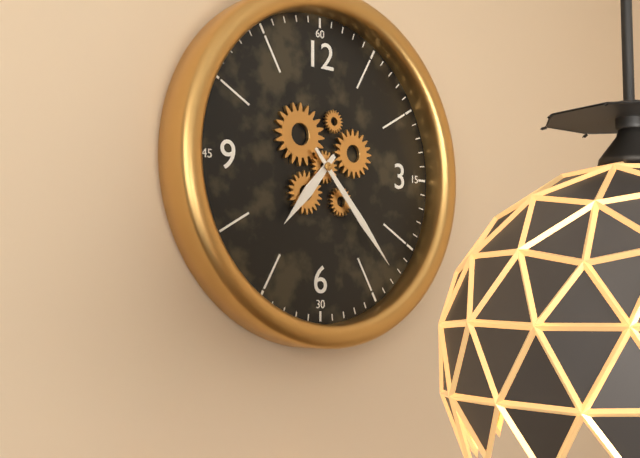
7:23
